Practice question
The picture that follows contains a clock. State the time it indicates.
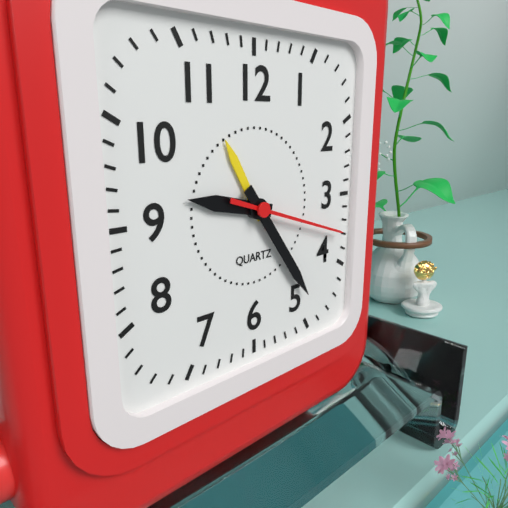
9:24:18
